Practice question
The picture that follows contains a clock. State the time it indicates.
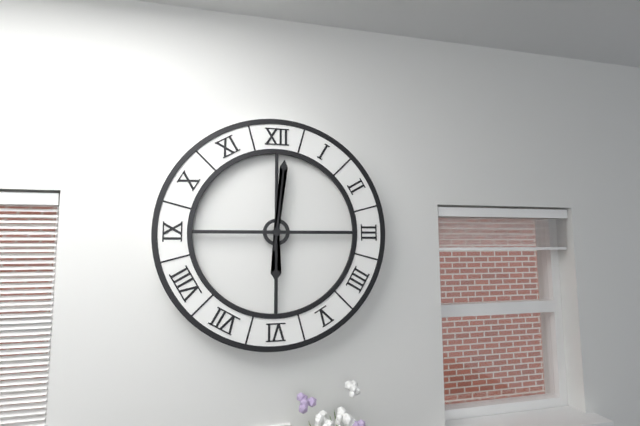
6:01
